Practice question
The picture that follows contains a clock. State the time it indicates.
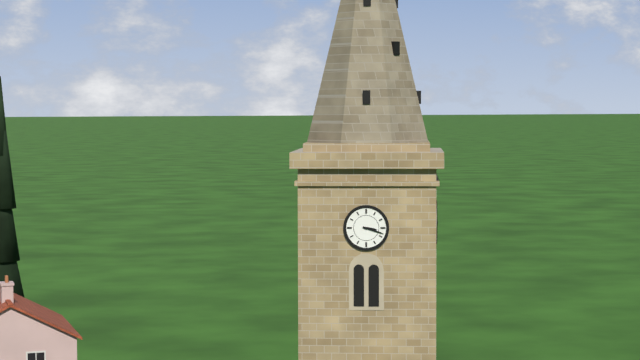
3:18
